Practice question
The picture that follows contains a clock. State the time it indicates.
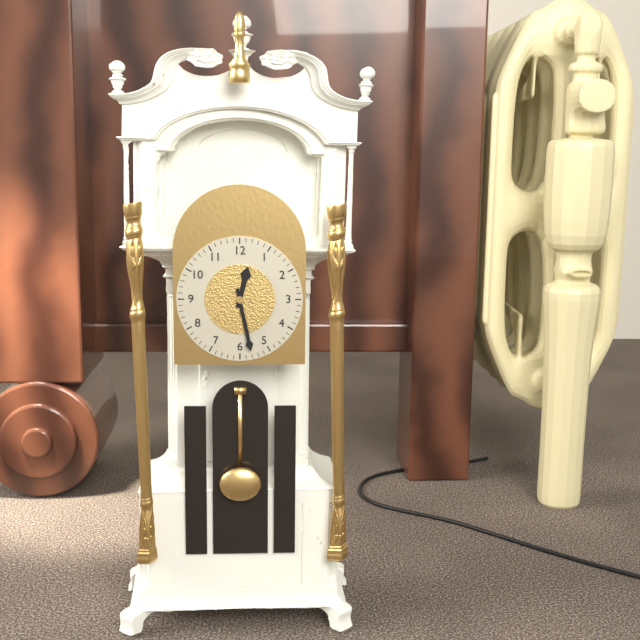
12:28
